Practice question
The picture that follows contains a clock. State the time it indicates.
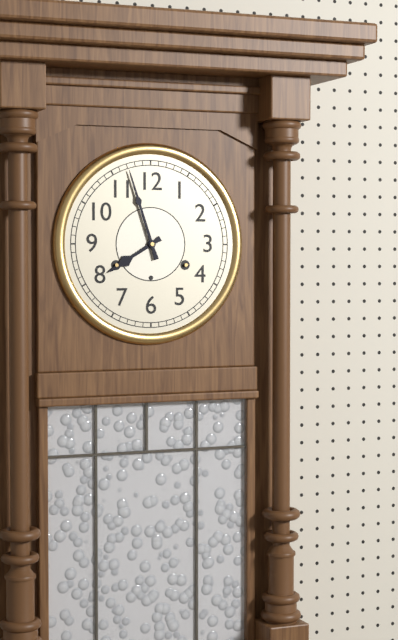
7:57
